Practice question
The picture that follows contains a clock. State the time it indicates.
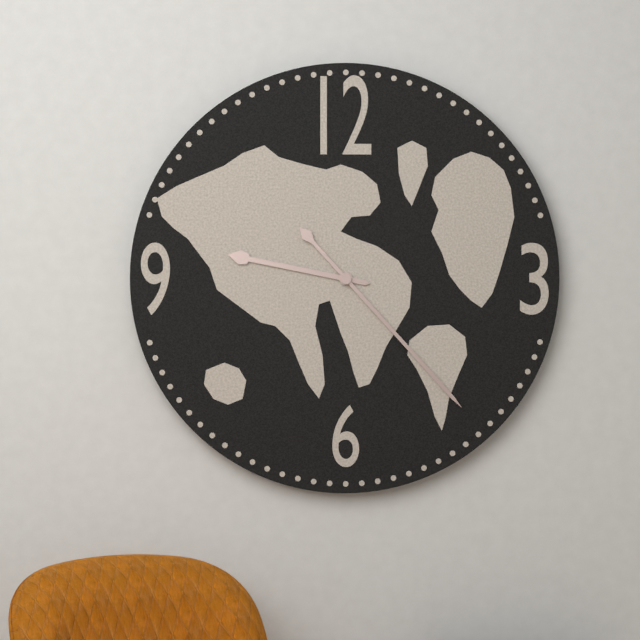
9:23
